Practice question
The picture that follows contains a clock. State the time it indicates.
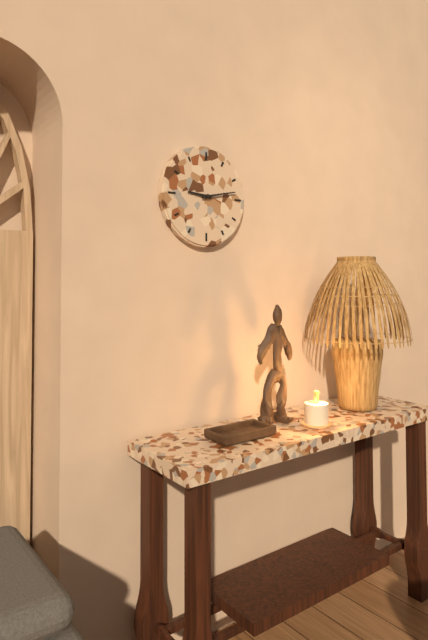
9:13
